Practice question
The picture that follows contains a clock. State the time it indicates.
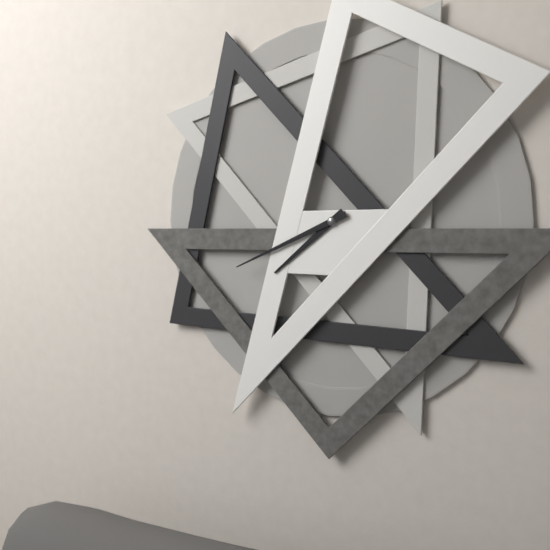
7:41
